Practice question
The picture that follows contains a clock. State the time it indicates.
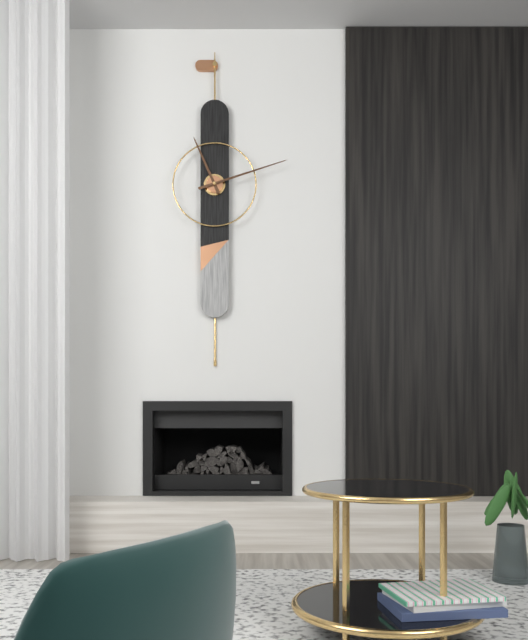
11:12
